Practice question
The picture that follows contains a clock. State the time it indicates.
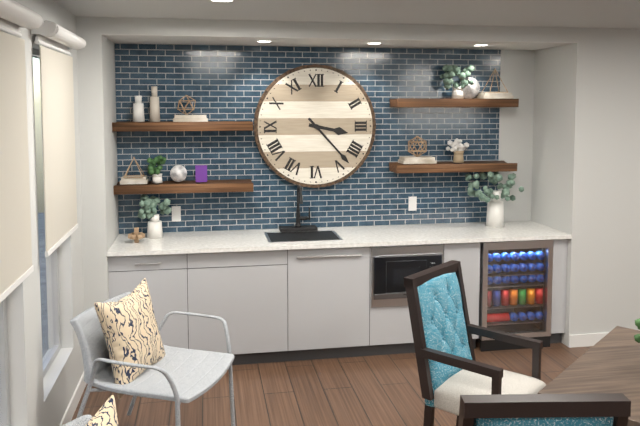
3:23
